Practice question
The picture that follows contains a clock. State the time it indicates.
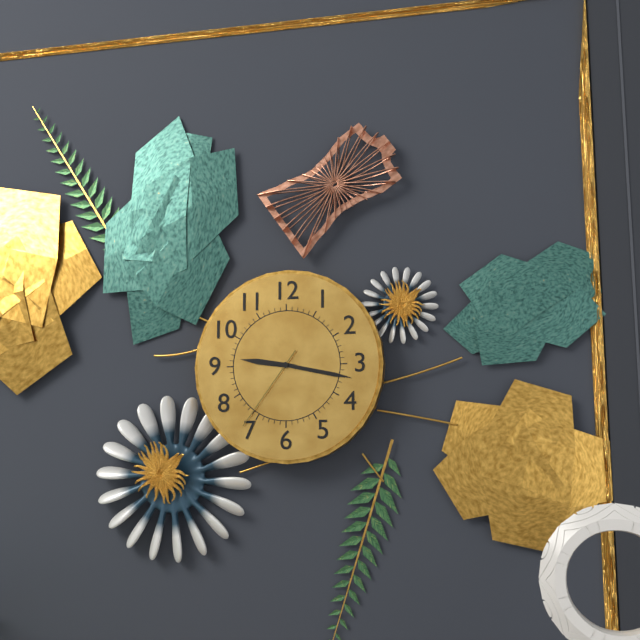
9:17:36
